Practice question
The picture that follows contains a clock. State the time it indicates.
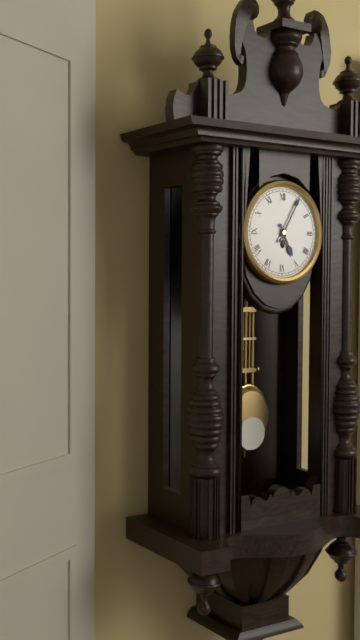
5:05
